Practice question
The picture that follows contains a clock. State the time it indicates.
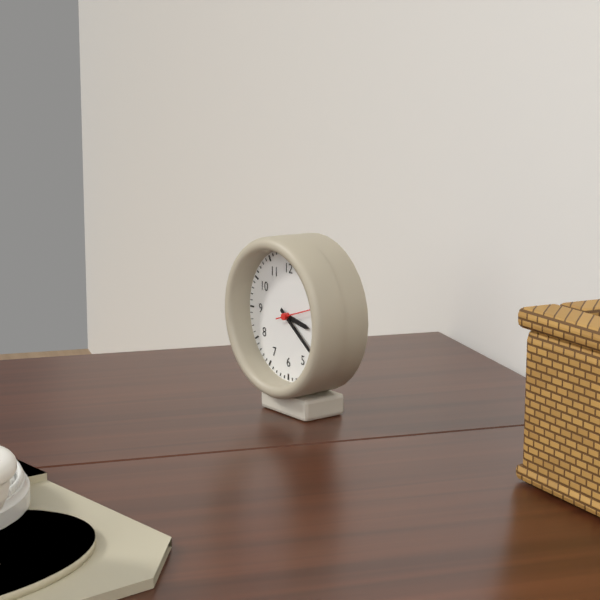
3:21
